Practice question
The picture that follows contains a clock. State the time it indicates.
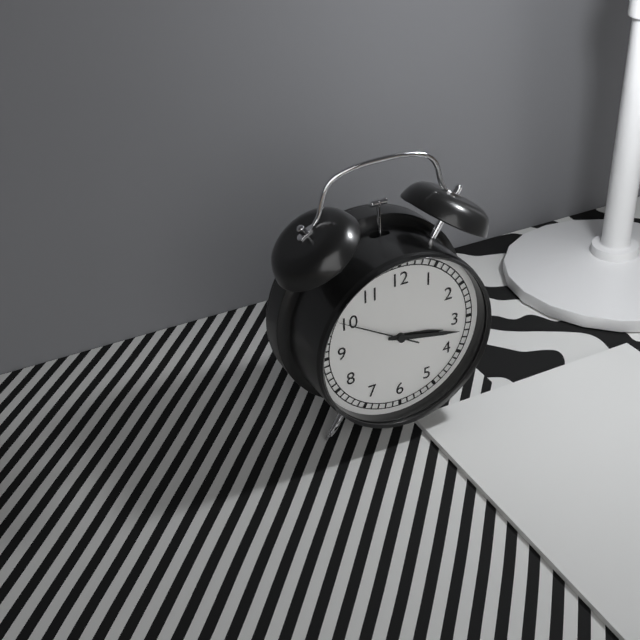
3:17:50
